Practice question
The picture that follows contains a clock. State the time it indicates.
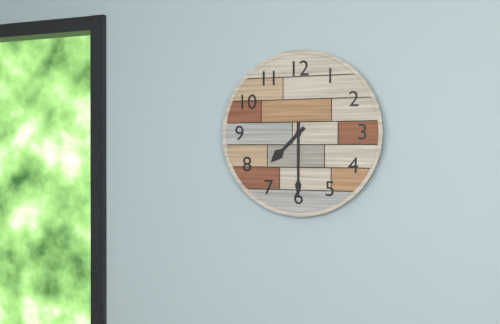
7:30
